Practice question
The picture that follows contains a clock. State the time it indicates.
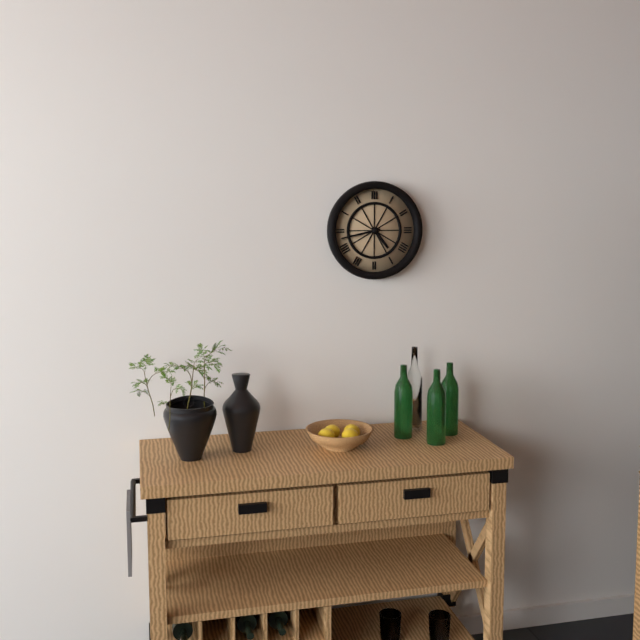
4:43
